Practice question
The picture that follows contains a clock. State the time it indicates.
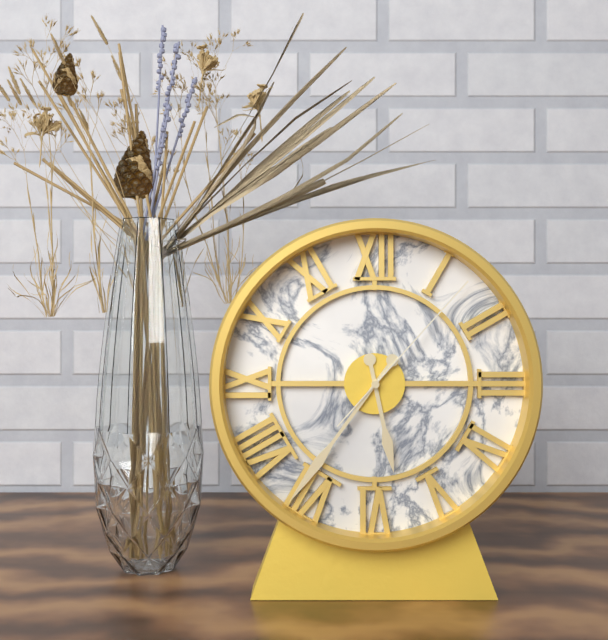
5:36:07
